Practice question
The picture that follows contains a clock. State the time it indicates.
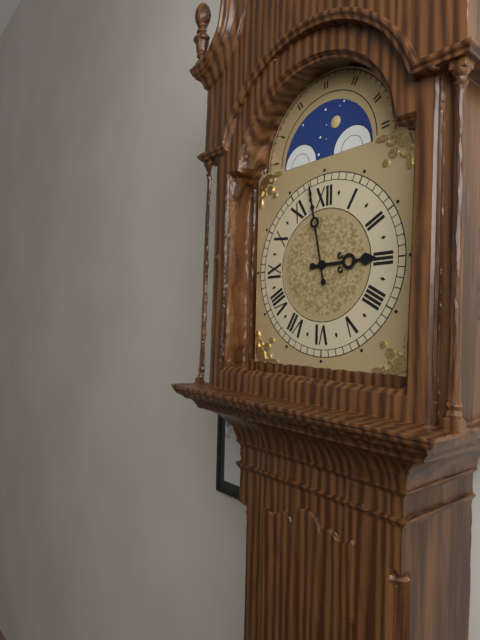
2:58
